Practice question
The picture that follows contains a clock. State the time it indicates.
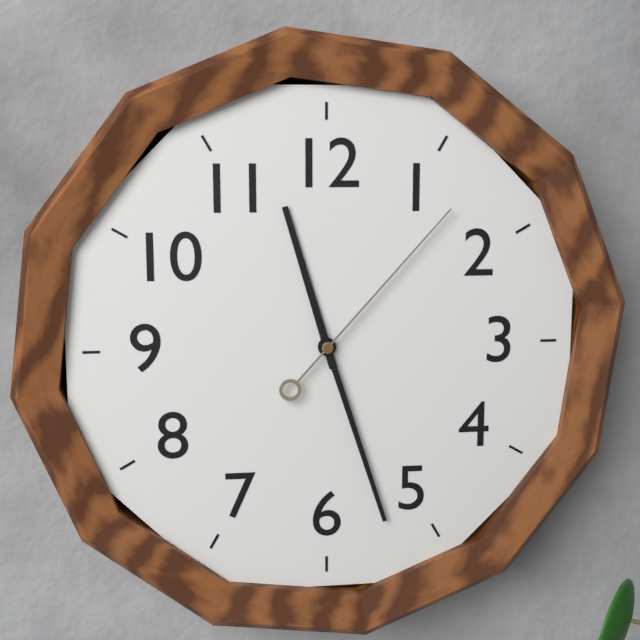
11:27:07
